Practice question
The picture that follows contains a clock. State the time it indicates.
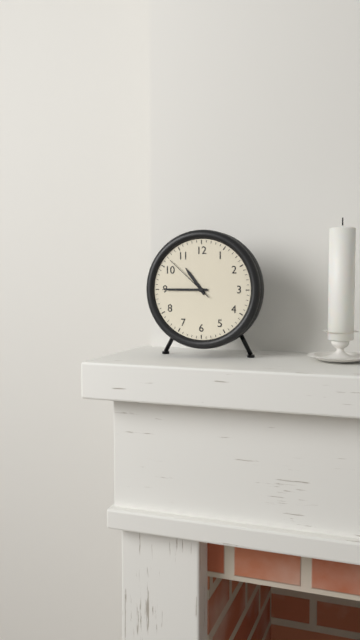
10:45:52
